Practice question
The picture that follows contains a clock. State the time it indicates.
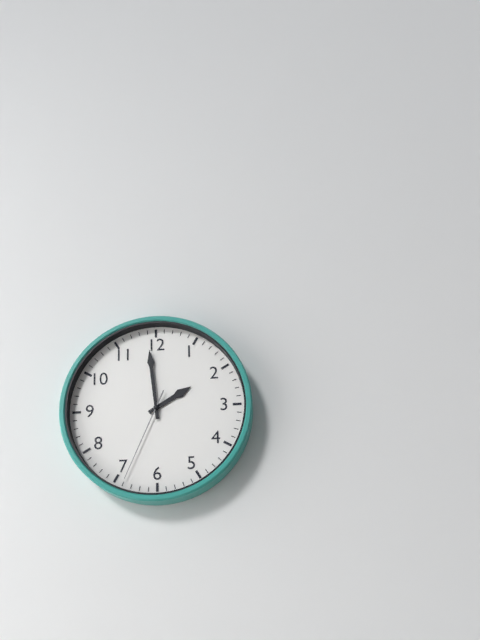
1:59:34
